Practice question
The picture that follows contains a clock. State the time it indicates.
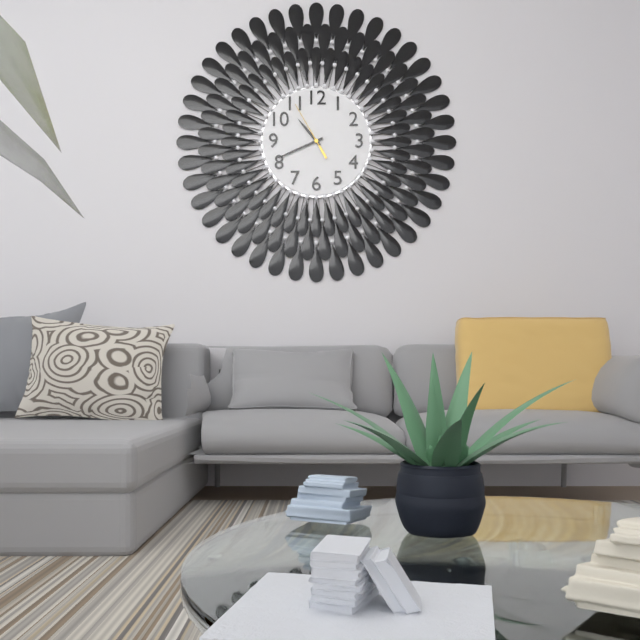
10:41:55
